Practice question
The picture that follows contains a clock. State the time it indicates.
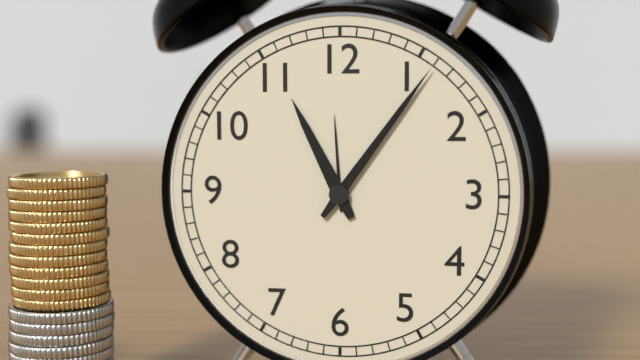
11:06
